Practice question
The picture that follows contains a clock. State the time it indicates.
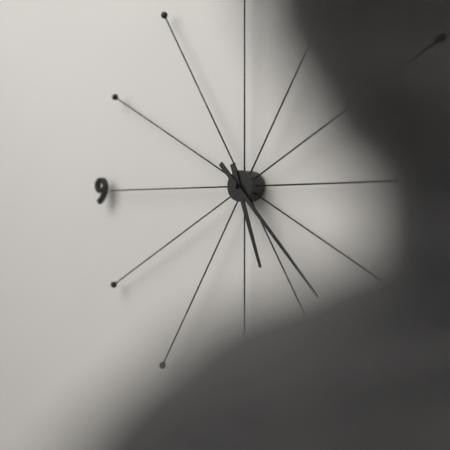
5:23
